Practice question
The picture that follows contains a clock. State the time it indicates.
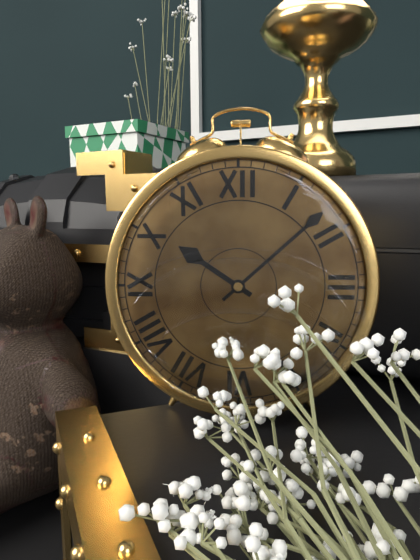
10:08
